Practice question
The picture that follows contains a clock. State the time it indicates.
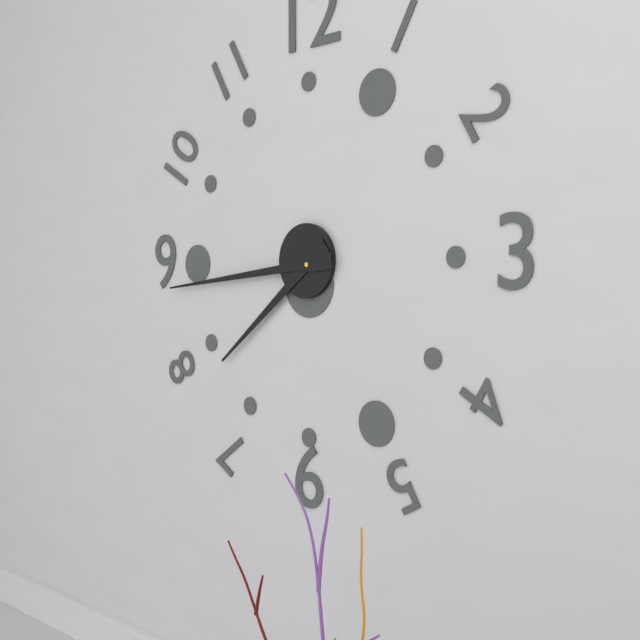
7:44
